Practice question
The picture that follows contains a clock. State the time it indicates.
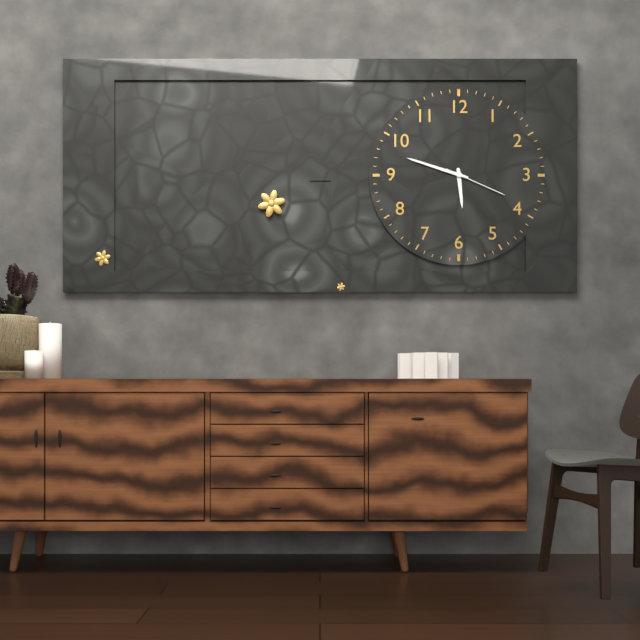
5:48:19
